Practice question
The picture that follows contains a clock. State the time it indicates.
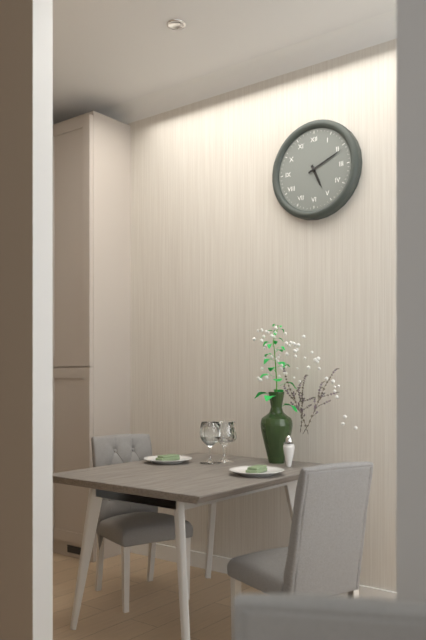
5:11
